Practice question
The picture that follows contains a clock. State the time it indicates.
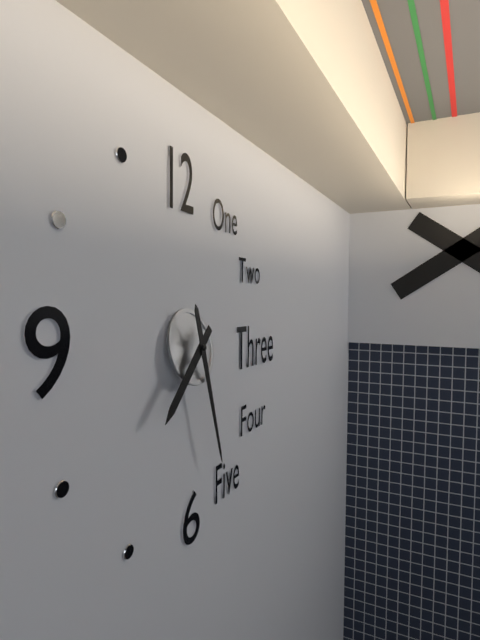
7:27
